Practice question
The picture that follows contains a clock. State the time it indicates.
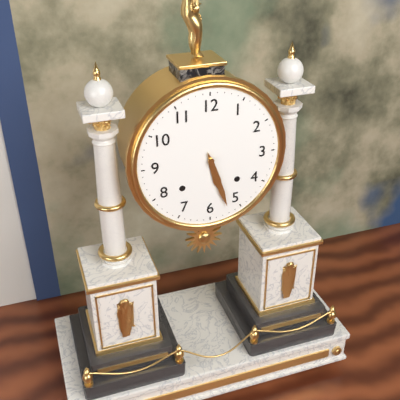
5:27
